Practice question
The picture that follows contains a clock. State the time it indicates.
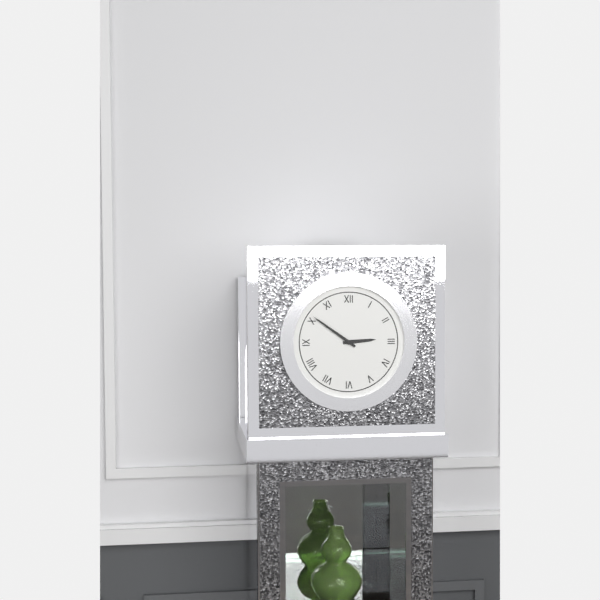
2:51
